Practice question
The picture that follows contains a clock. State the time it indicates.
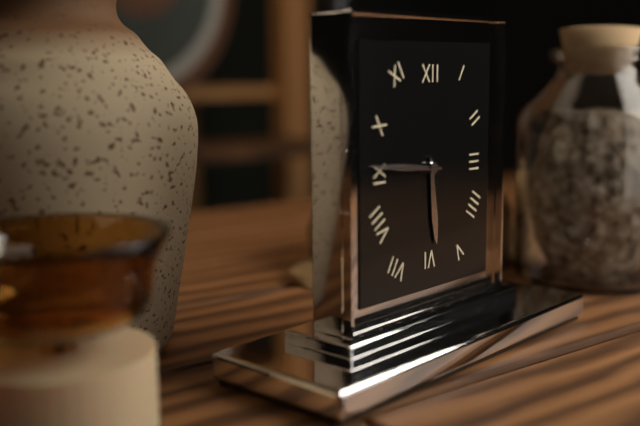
5:46
